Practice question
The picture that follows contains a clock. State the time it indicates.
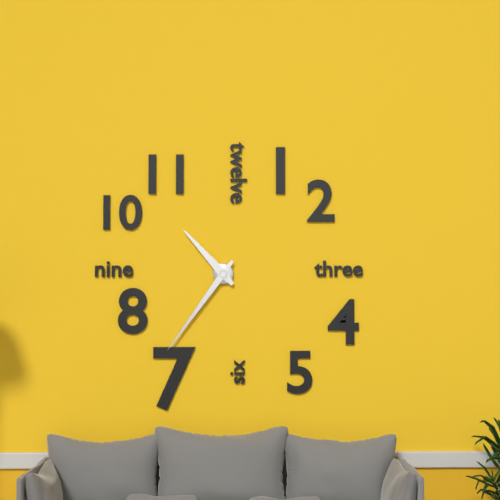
10:36
